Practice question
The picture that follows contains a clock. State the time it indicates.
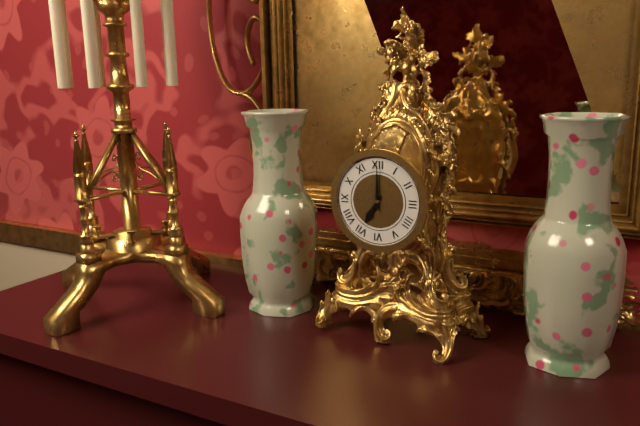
7:00
